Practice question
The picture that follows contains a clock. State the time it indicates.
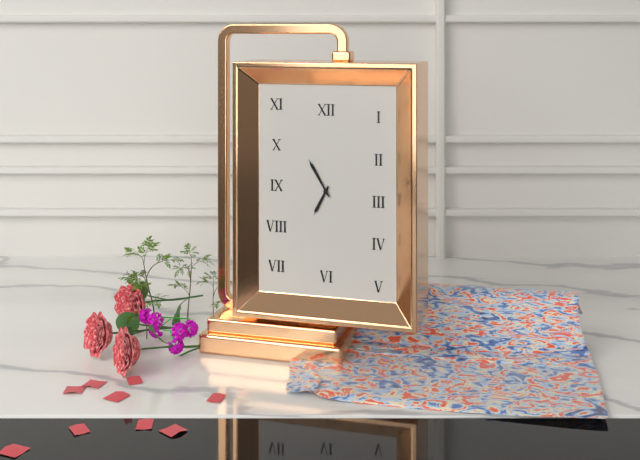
6:55
